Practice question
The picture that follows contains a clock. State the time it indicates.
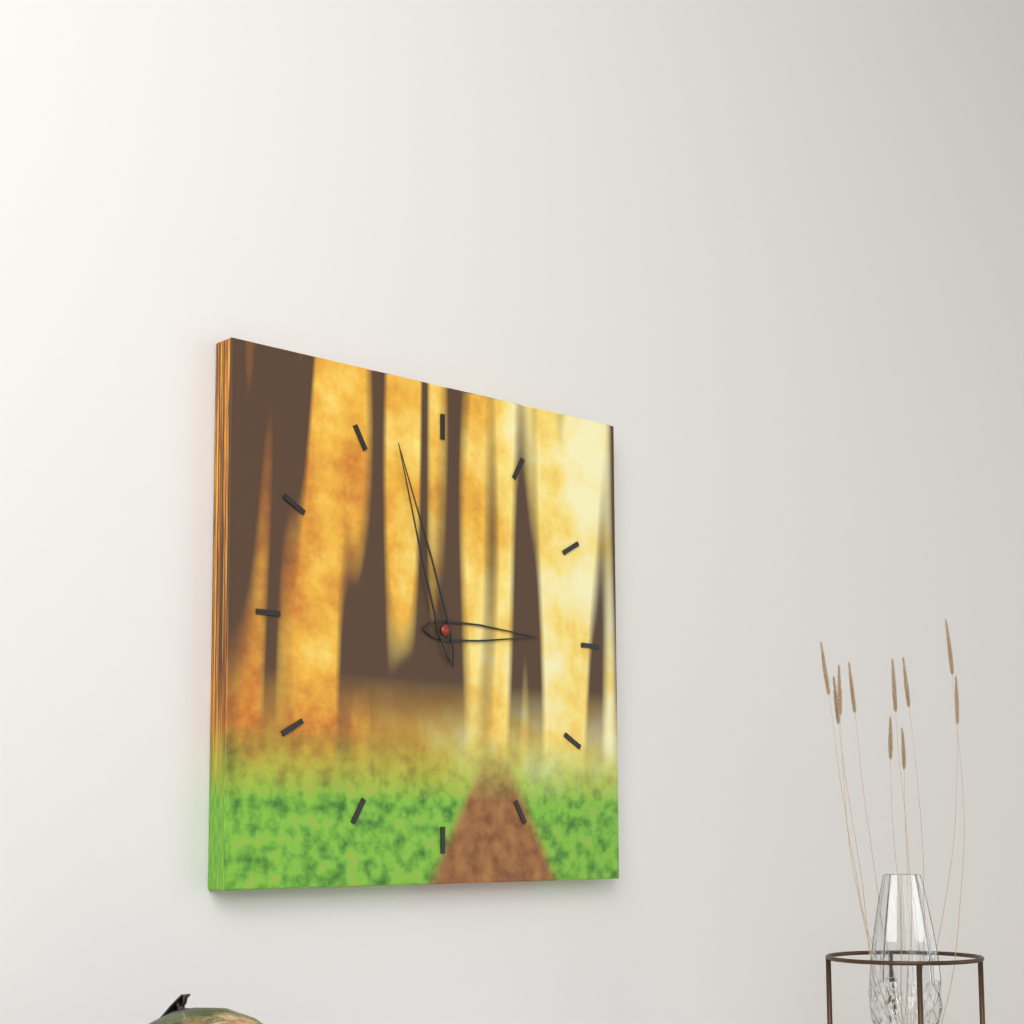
2:57
